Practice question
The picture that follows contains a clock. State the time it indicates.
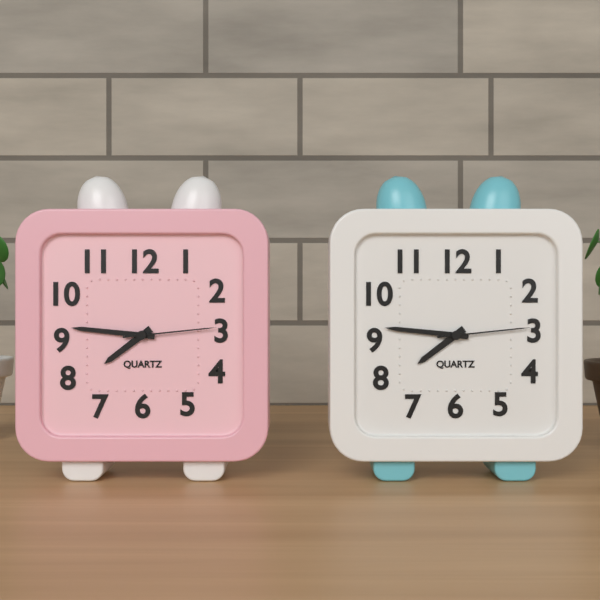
7:46:14
